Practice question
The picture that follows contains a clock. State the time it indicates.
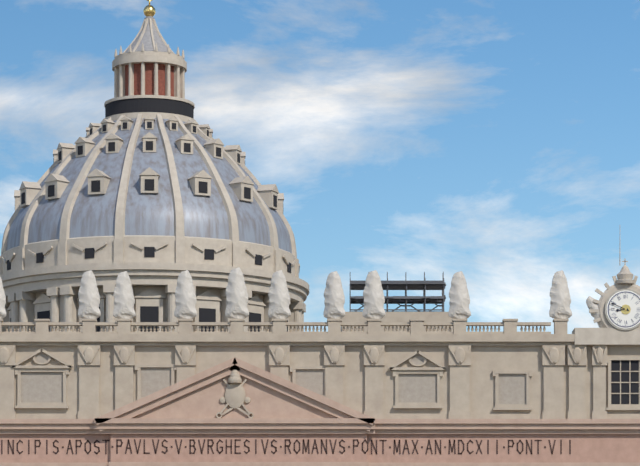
8:49
